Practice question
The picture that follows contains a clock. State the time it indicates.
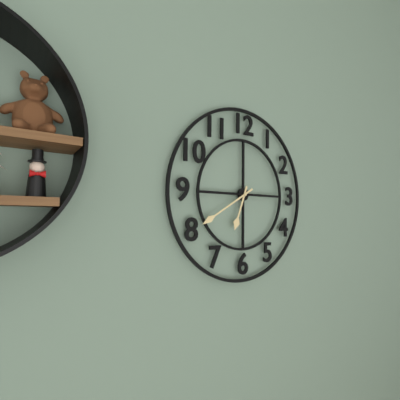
6:40
